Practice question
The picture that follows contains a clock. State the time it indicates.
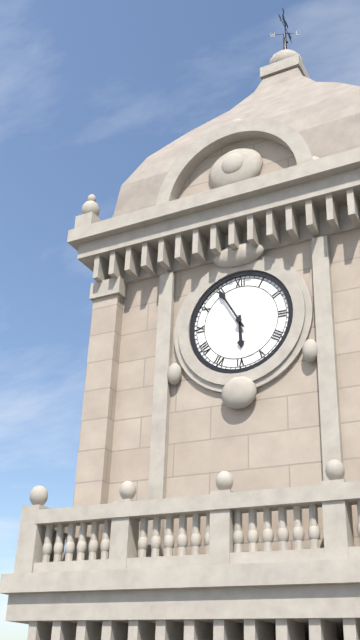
5:55
